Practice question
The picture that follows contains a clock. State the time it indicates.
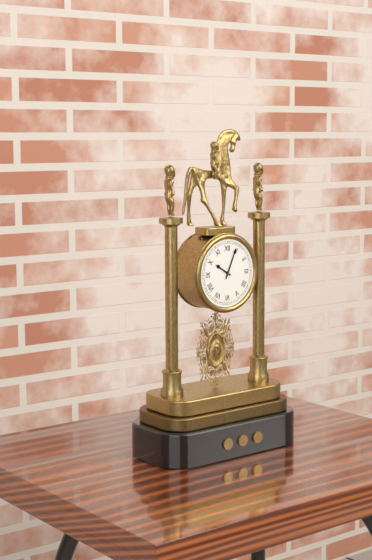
10:04
